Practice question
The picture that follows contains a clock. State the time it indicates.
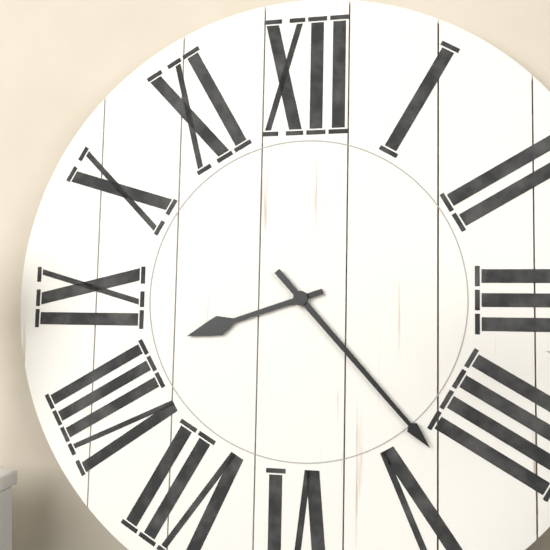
8:23
